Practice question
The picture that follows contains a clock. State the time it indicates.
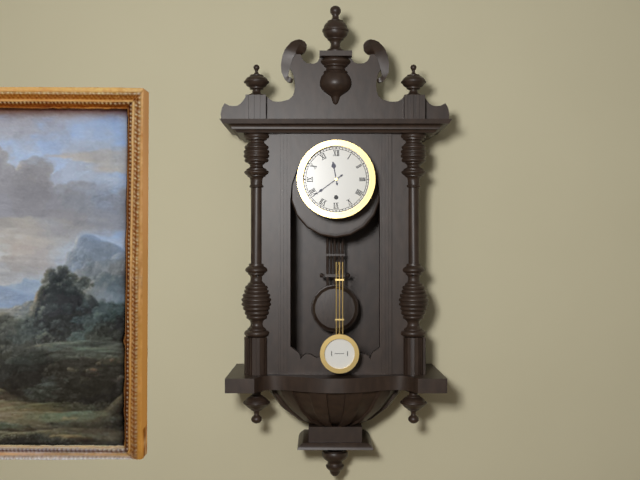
11:39
